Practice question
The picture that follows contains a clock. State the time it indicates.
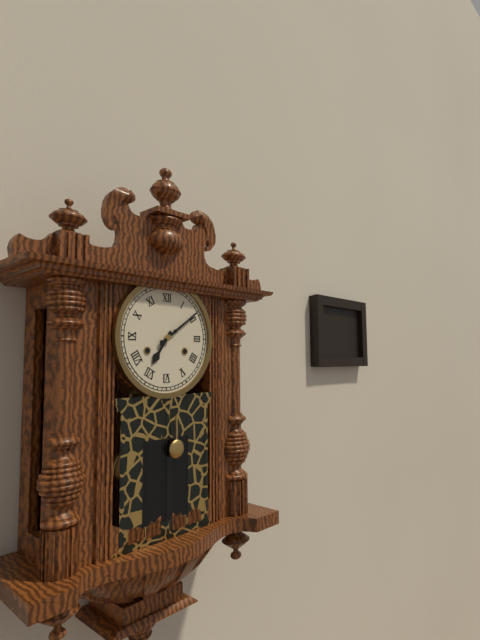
7:09
